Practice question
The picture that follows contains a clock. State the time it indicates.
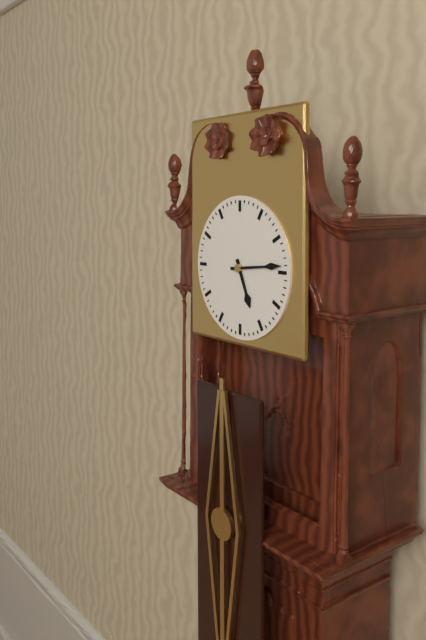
5:14
